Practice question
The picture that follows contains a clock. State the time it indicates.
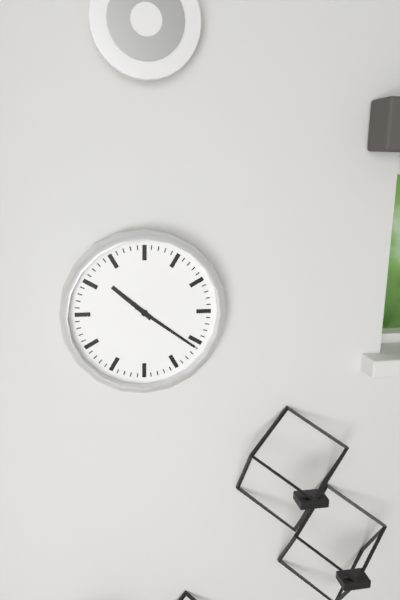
10:21
